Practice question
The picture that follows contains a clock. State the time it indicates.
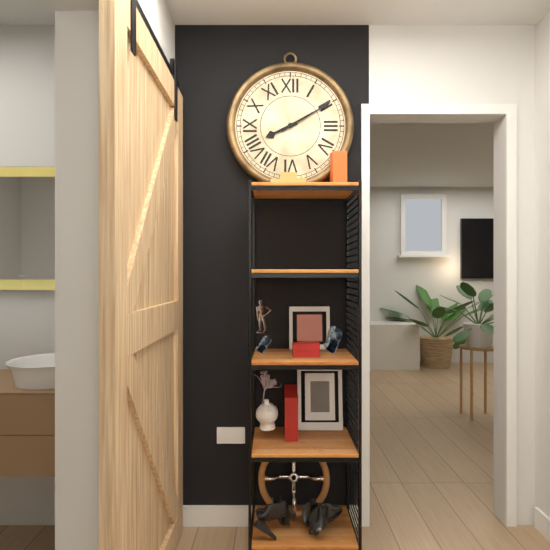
8:10
